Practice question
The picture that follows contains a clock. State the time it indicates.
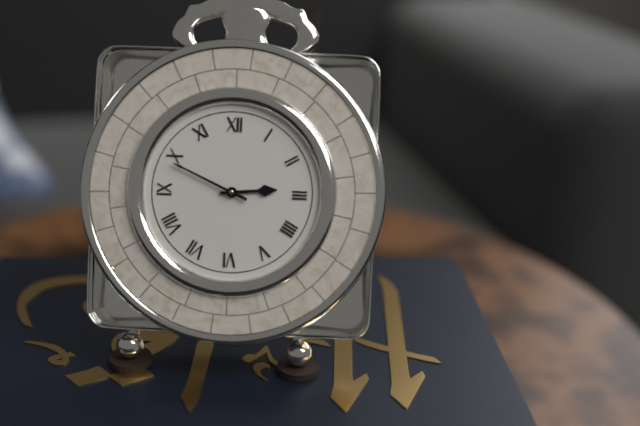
2:49
